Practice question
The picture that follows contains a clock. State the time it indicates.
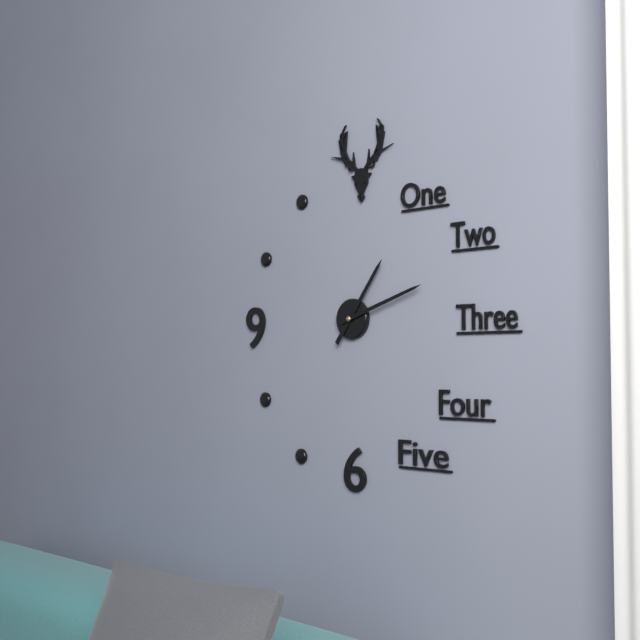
1:12
